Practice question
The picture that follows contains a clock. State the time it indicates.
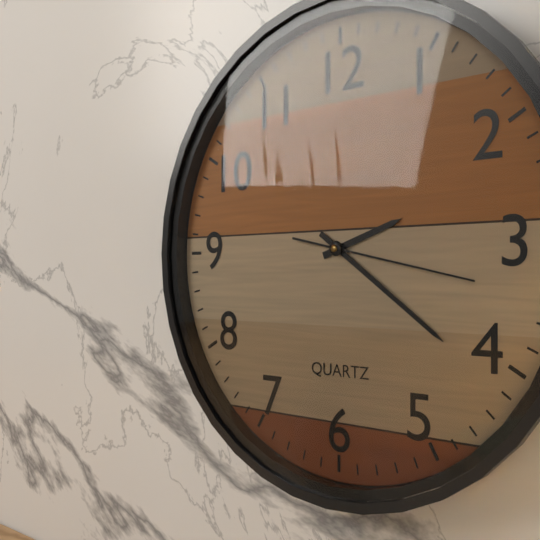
2:21:17
